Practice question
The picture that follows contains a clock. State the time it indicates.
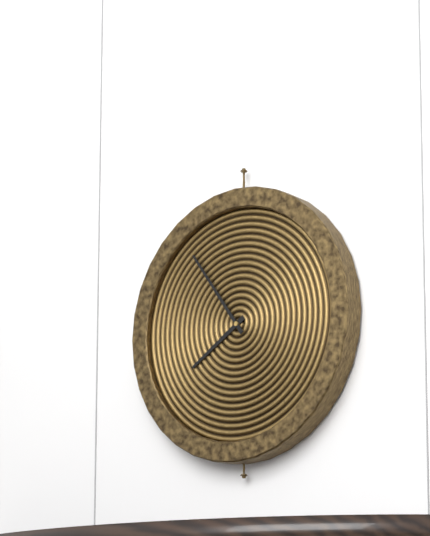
7:54
